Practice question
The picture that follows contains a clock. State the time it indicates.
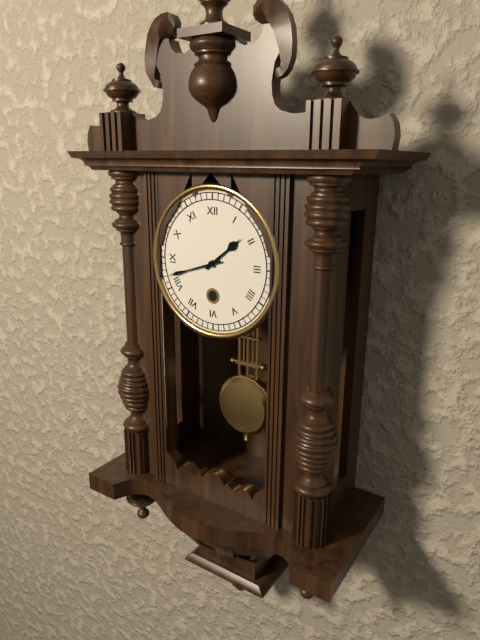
1:42
